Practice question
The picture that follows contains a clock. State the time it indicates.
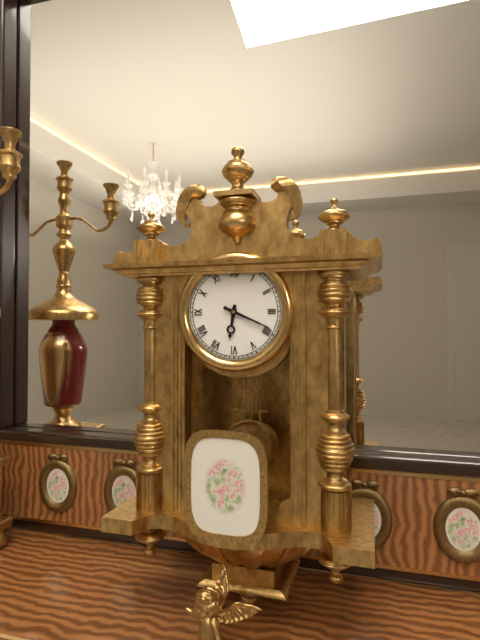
6:19
